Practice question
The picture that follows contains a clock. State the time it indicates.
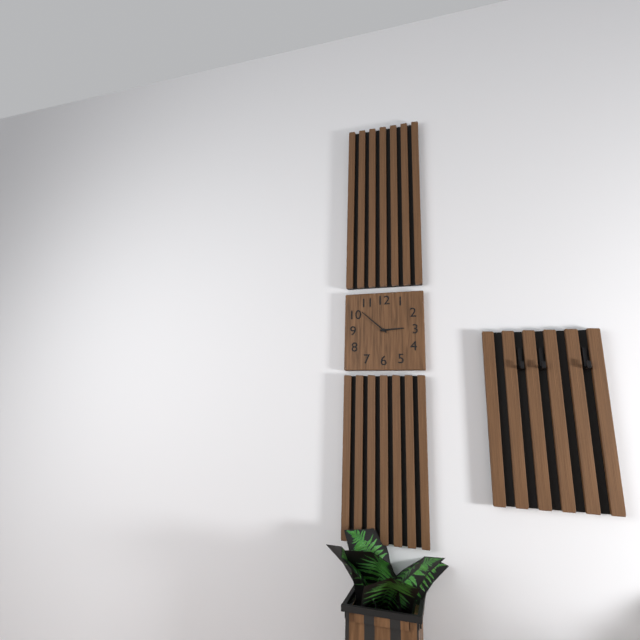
2:52
